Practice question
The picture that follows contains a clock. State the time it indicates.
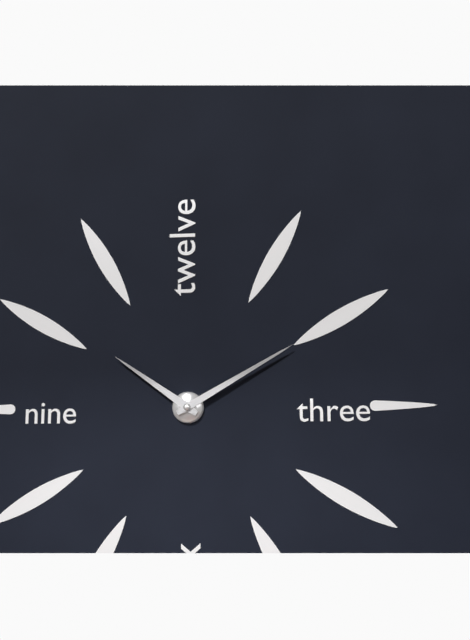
10:10
